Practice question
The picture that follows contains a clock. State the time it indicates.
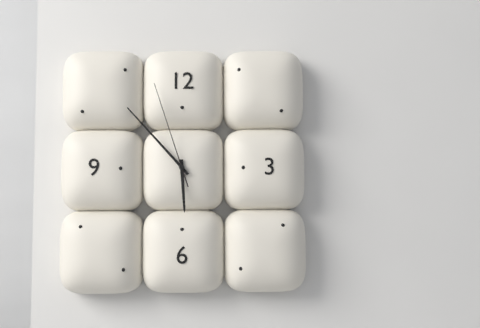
5:53:57
